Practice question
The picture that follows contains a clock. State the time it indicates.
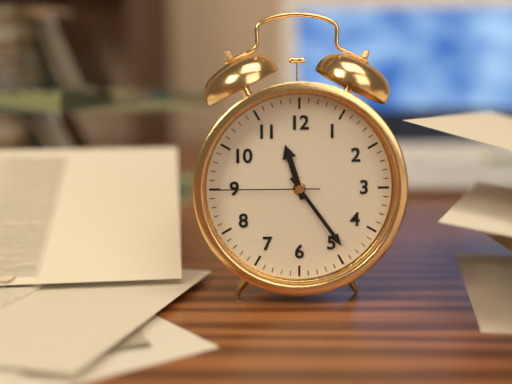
11:24:45
